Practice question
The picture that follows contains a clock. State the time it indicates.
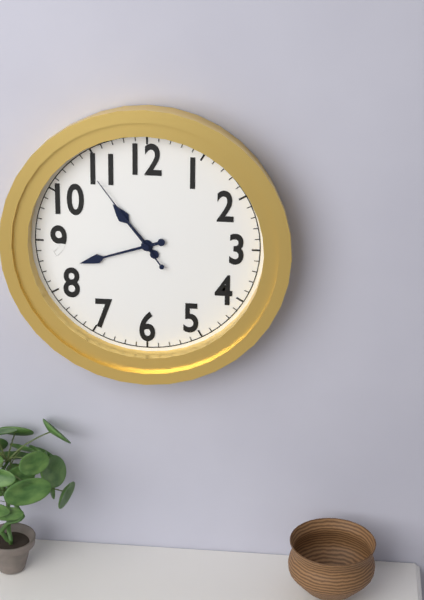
10:42:54
